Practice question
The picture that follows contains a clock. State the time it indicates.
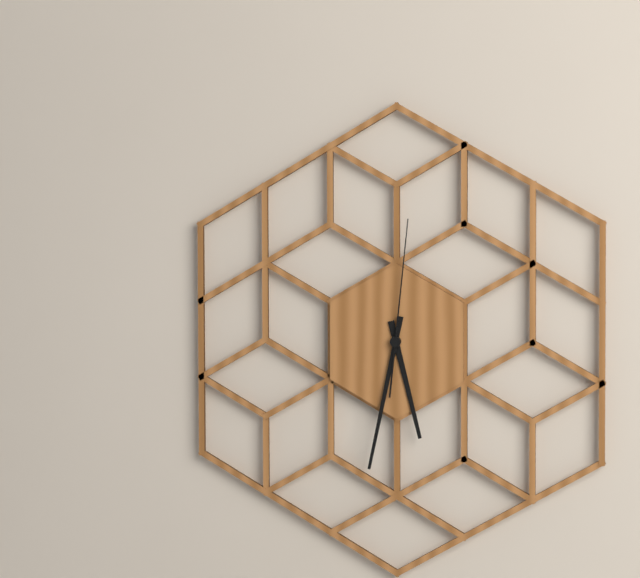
5:32:01
